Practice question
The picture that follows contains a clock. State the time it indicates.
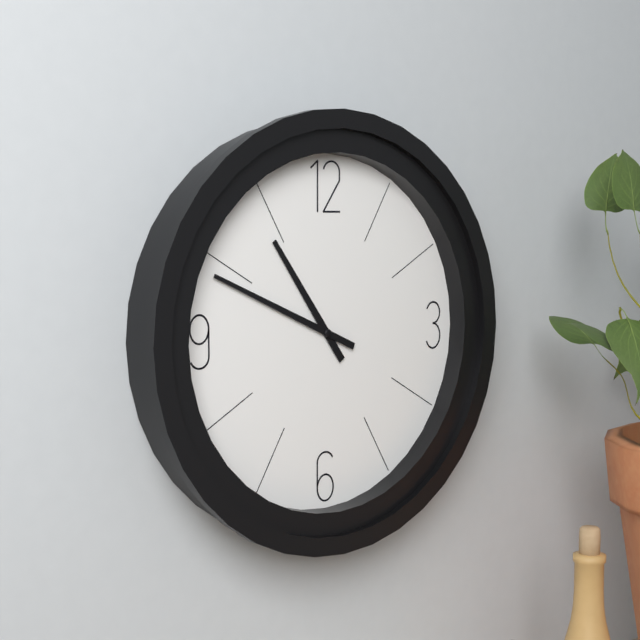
10:49
